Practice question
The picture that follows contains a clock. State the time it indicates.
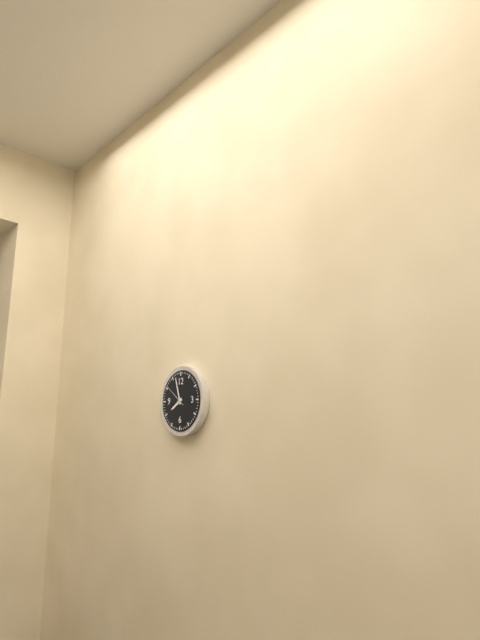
7:57
